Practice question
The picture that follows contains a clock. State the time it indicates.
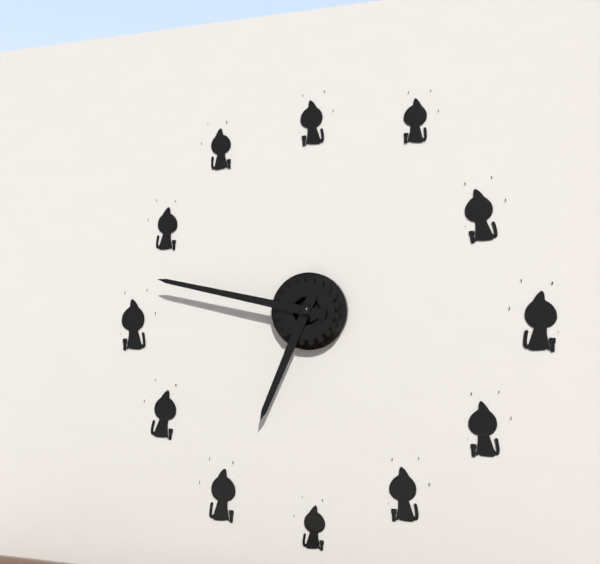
6:47
